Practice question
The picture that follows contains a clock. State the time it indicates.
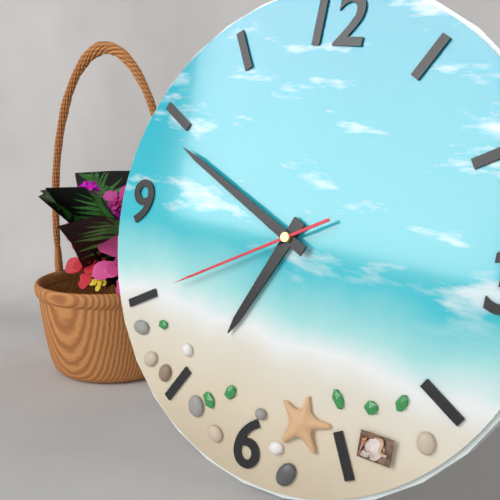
6:49:40
